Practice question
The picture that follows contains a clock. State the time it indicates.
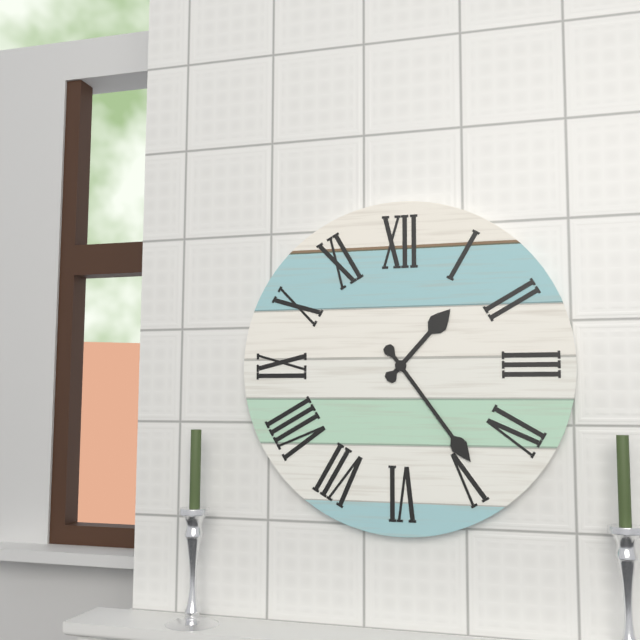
1:24
